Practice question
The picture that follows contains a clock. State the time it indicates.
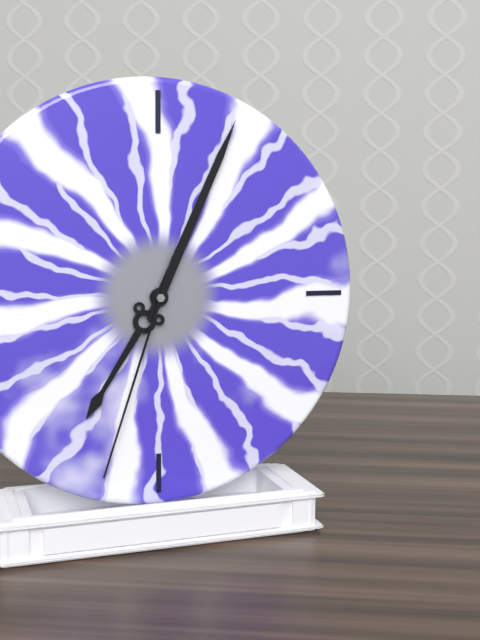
7:04:33
